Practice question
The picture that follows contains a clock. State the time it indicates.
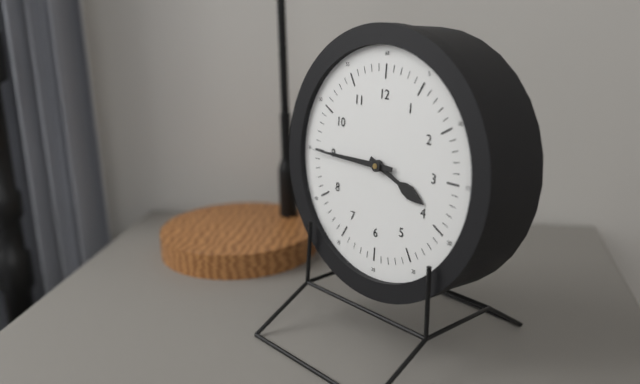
3:45
